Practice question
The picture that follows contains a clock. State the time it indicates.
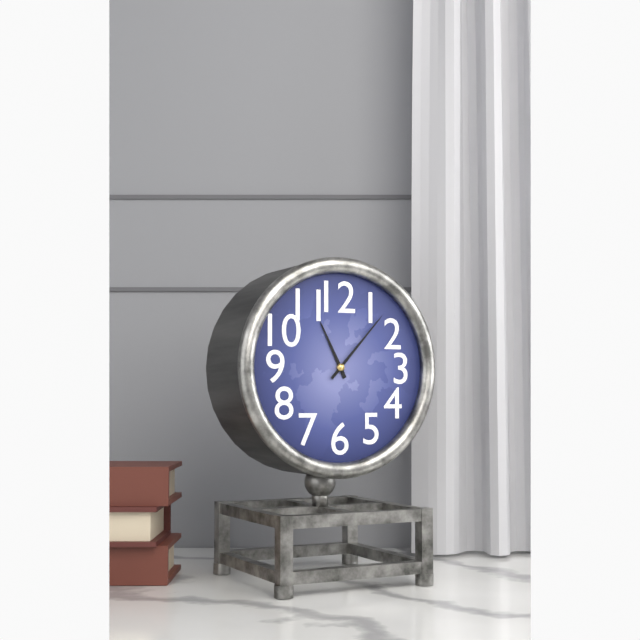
11:07
